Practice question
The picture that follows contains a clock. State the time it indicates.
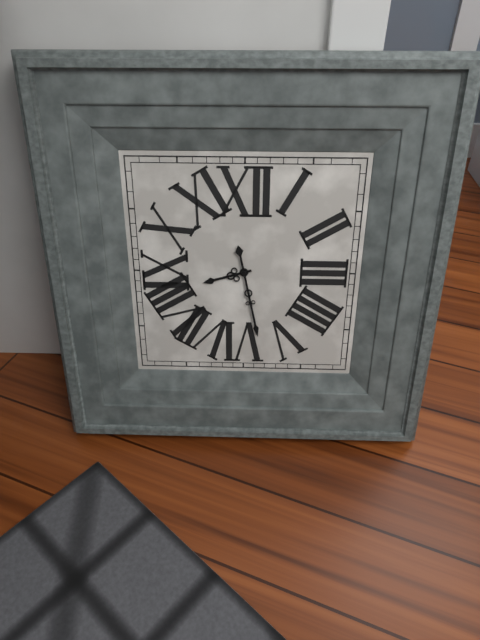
8:28
